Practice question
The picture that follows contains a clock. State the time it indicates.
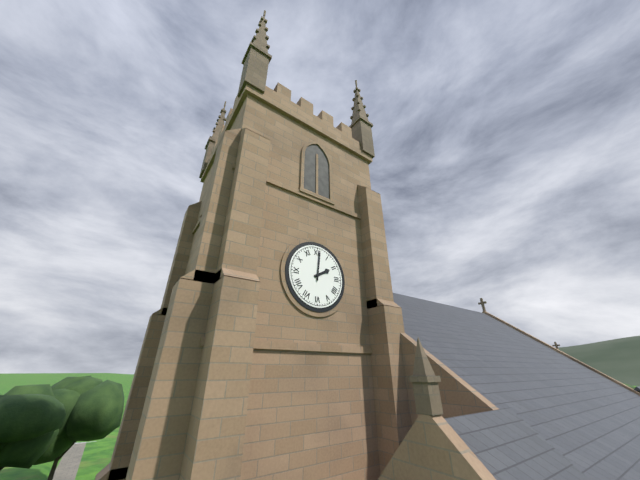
2:01
